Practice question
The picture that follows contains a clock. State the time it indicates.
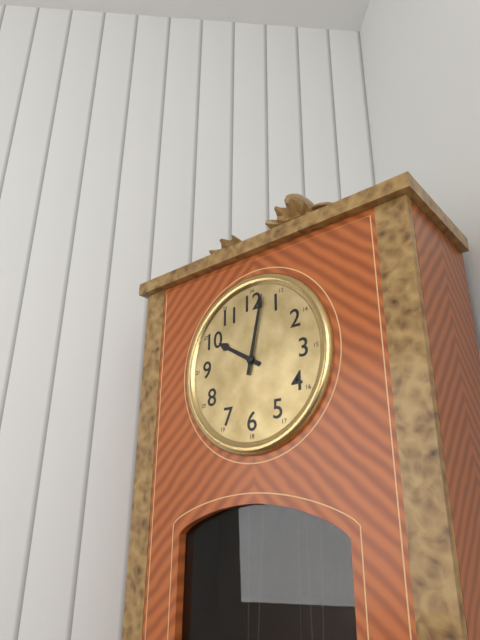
10:02
